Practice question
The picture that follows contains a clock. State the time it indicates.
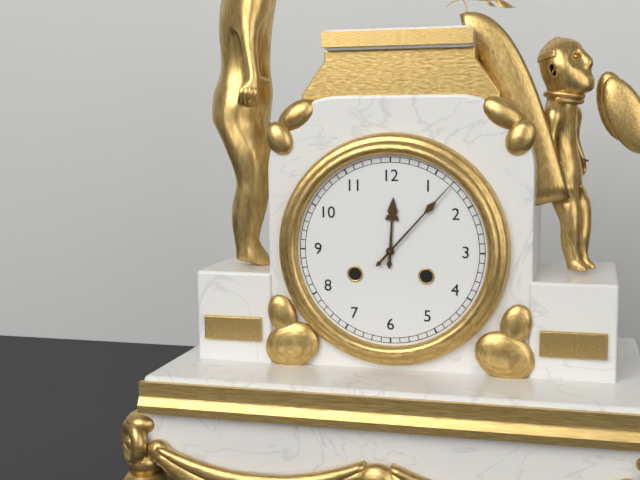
12:07
